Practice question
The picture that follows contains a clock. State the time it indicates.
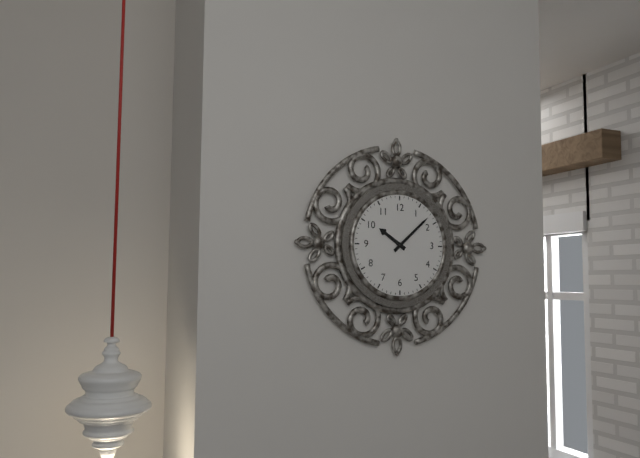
10:08
